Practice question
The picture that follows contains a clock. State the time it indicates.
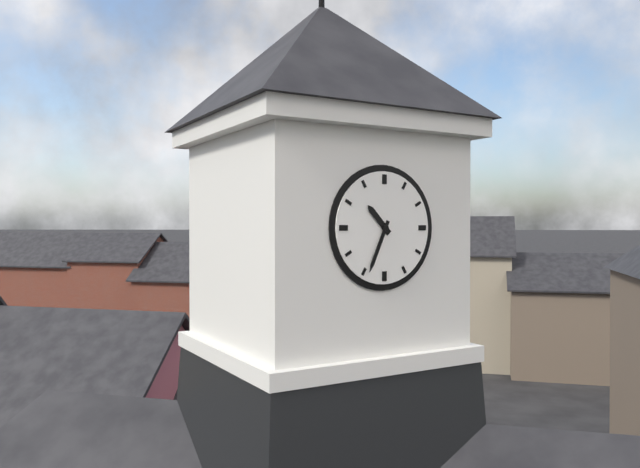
10:34
